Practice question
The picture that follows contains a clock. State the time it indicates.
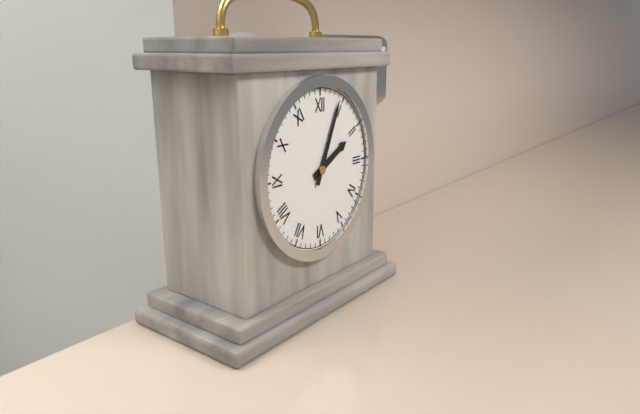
2:04
